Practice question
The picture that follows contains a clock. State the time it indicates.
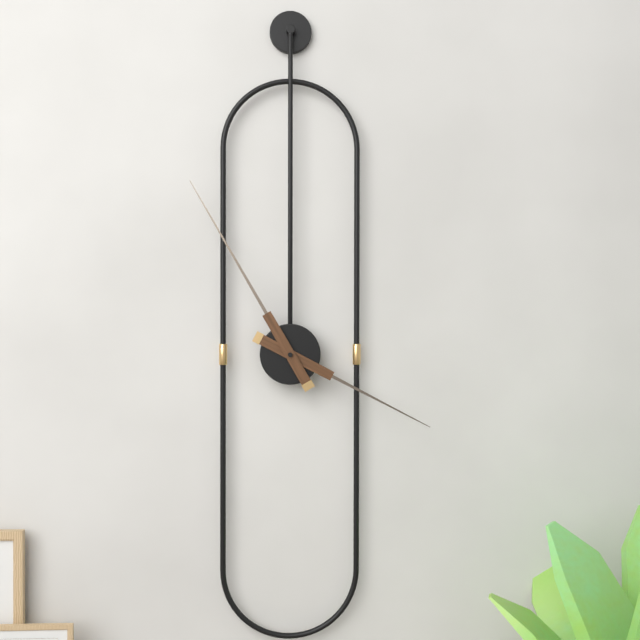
3:55
